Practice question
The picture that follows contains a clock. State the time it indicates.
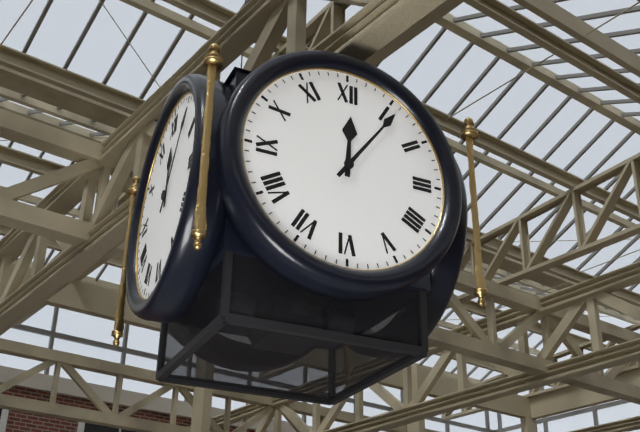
12:06
